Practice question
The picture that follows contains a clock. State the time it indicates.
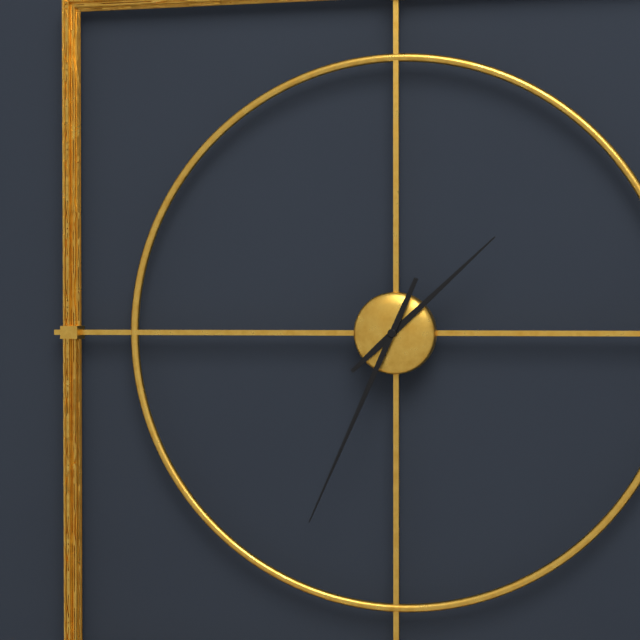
1:34
